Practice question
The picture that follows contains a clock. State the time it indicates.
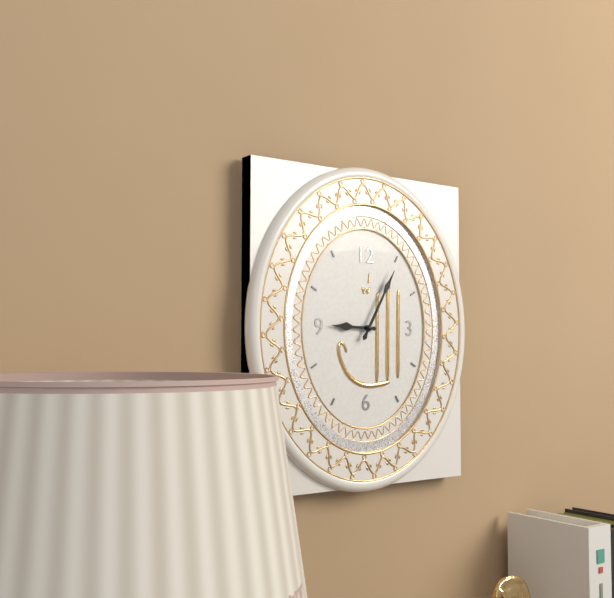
9:05
